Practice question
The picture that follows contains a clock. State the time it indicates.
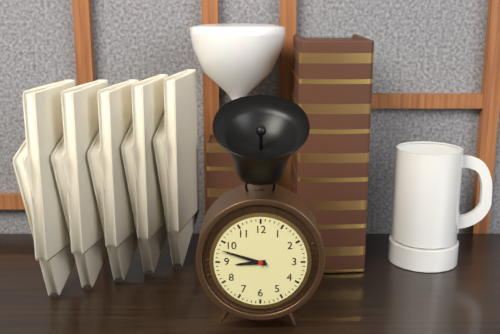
8:48
